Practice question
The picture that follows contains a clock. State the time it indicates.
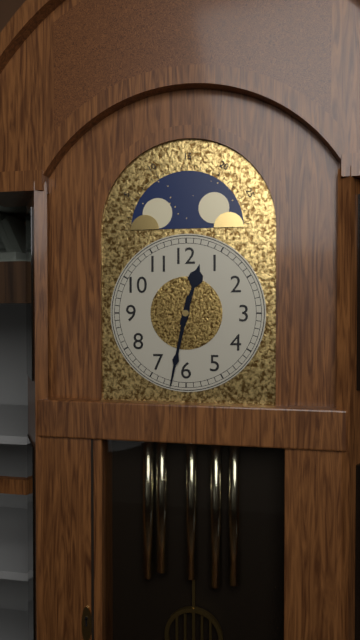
12:32
